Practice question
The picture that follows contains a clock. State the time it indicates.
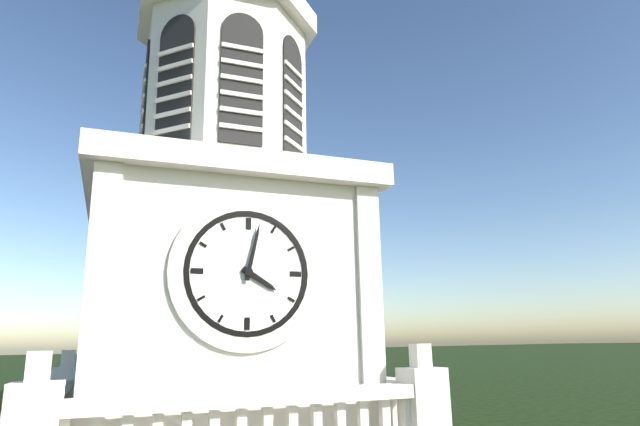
4:02
